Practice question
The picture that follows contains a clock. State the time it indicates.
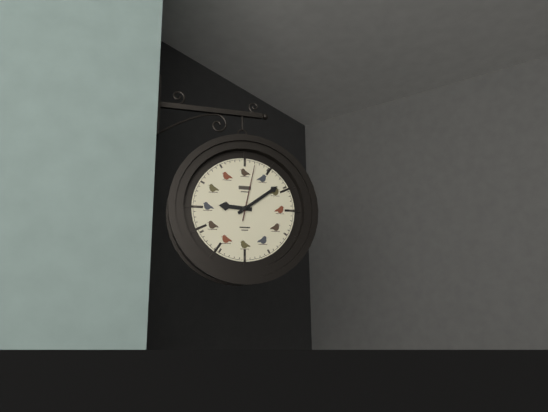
9:09:02
